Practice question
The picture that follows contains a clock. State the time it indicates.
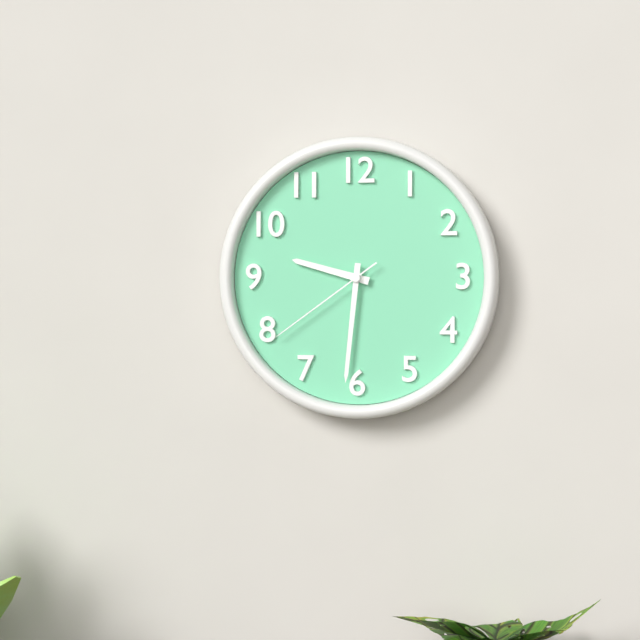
9:31:39
